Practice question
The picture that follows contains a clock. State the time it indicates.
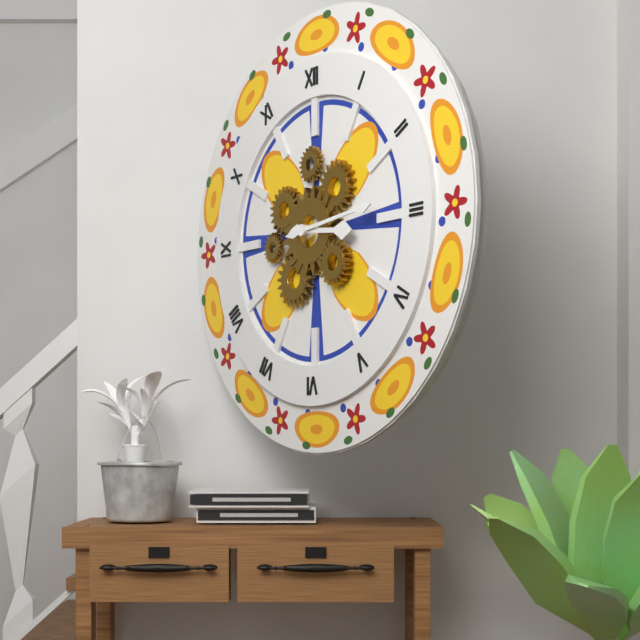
3:14
